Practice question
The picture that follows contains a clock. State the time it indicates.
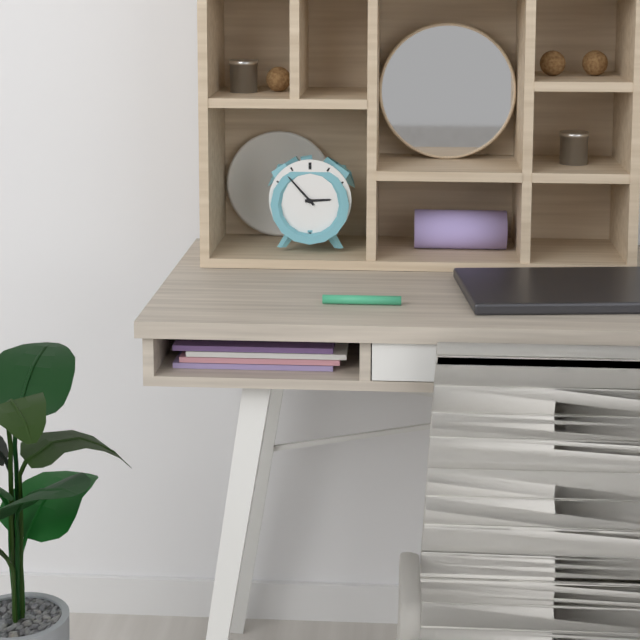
2:53
